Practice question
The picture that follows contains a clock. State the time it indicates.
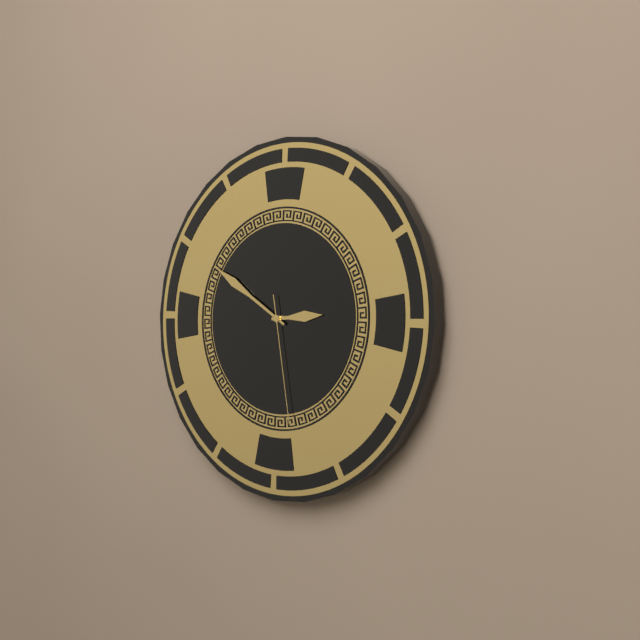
2:50:28
